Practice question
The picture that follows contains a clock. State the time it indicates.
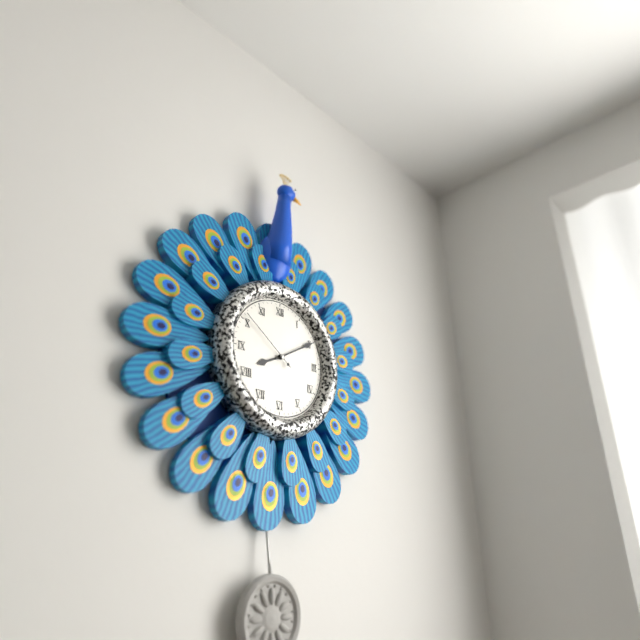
8:10:51
